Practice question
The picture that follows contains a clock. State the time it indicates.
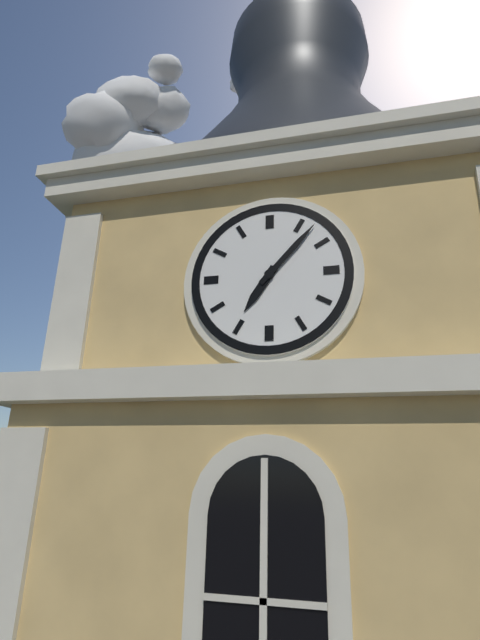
7:07
